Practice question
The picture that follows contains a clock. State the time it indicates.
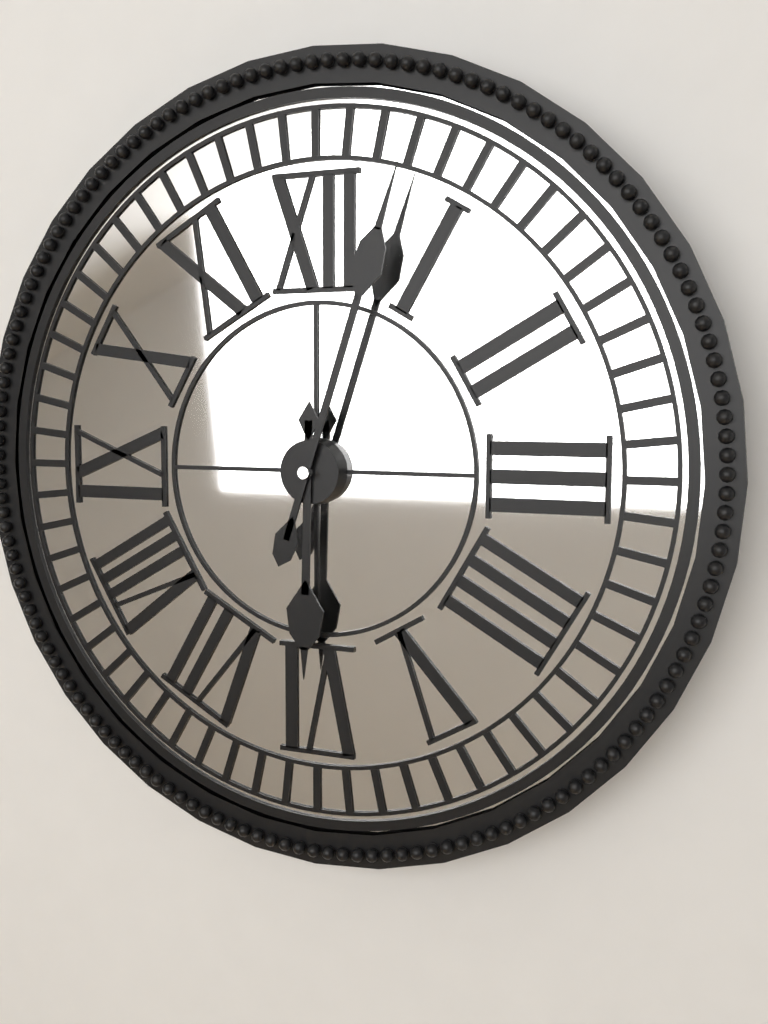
6:03
